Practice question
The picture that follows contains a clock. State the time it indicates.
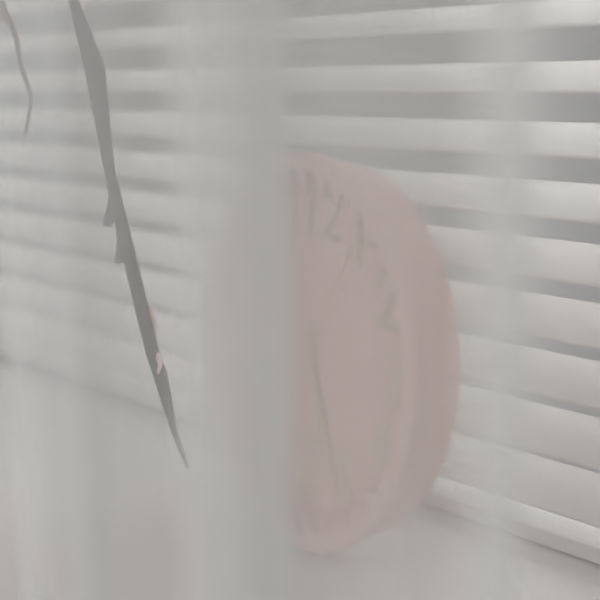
5:26:05
